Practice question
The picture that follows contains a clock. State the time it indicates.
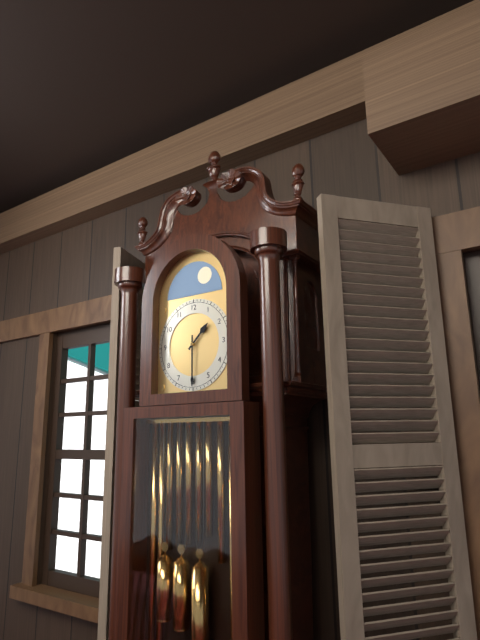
1:30
